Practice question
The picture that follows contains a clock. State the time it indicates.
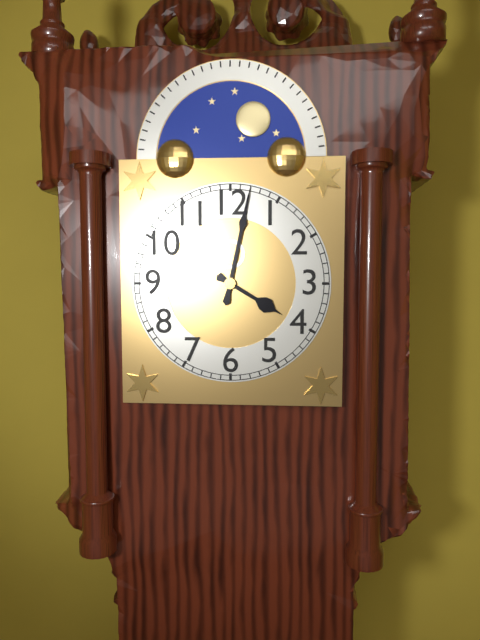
4:02
